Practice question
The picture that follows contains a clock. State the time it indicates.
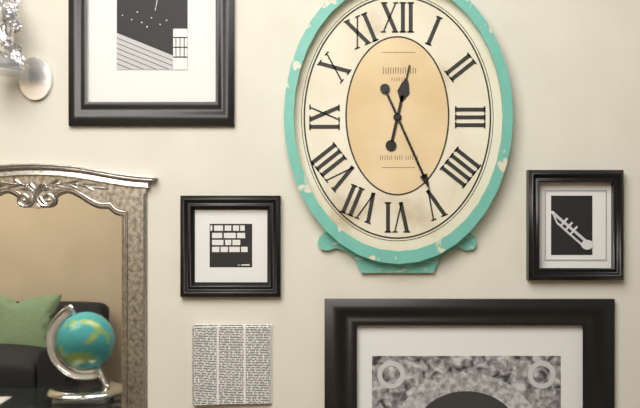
12:26
